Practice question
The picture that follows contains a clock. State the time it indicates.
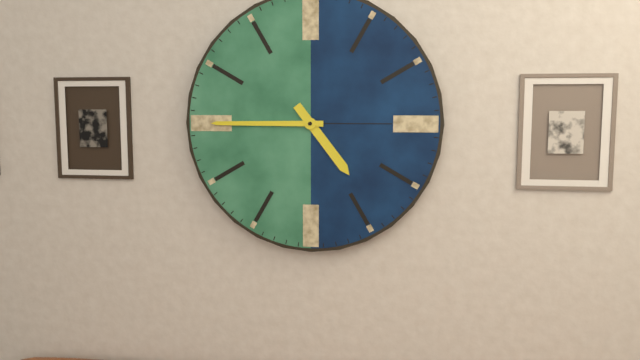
4:45
